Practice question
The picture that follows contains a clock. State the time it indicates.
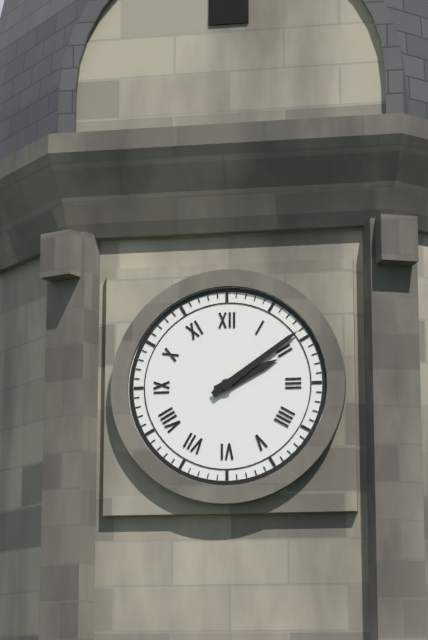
2:09
